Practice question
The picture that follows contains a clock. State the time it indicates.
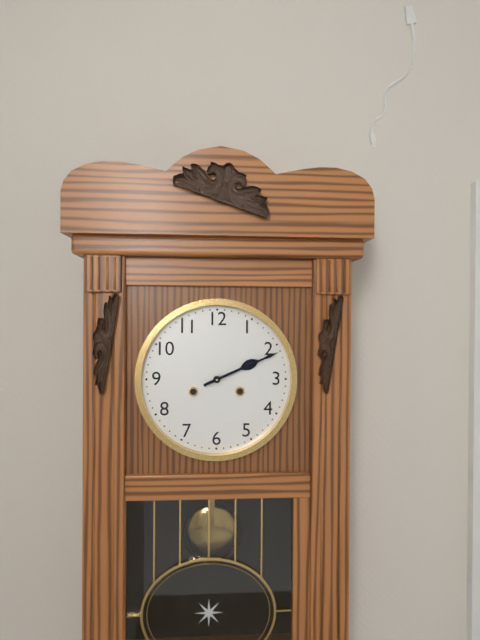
2:11
